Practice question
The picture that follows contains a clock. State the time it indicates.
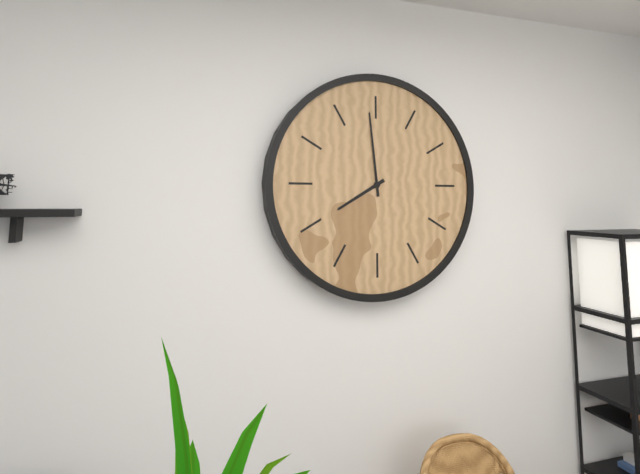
7:59
